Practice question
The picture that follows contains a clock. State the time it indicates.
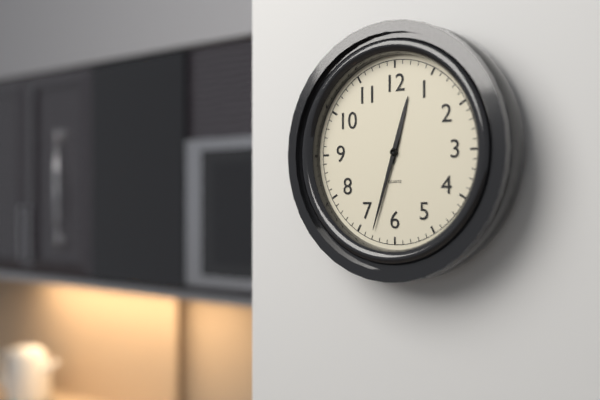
12:33
